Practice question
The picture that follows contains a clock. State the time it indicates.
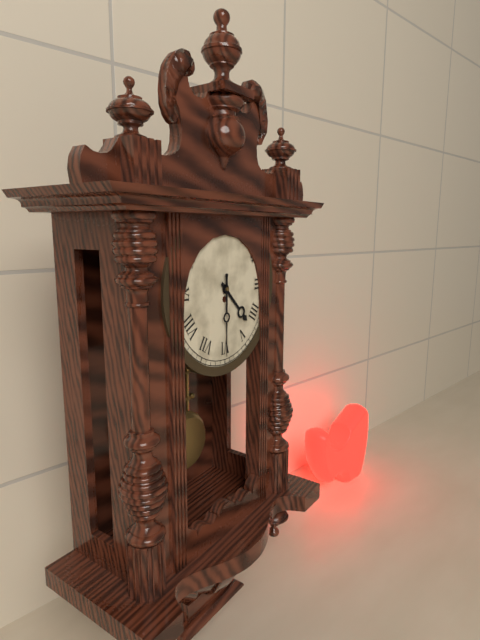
4:30
